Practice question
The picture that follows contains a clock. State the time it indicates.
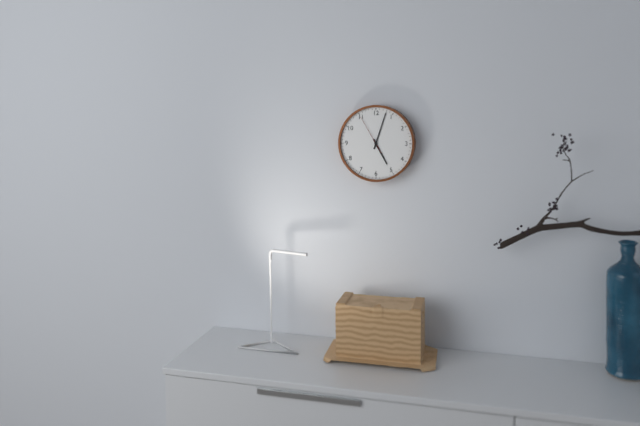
5:03
